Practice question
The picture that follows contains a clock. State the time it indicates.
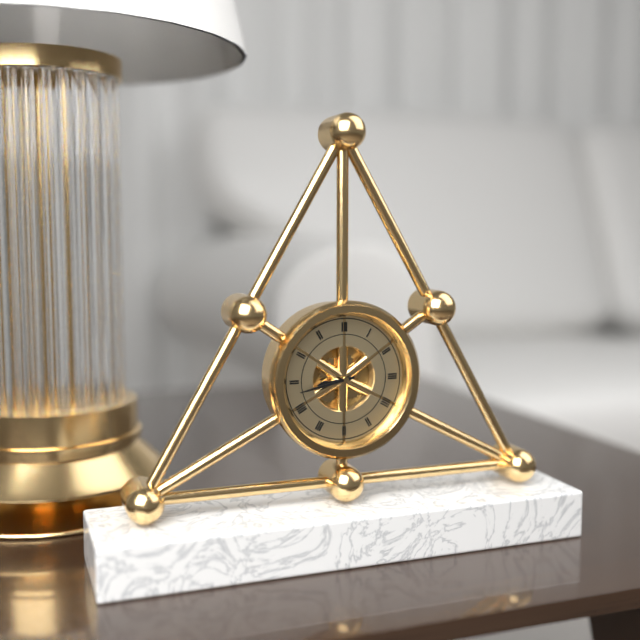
8:43
